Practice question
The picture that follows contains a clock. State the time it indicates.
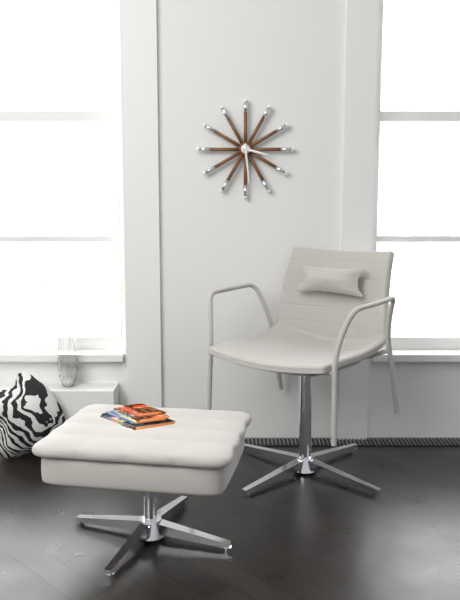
3:29
